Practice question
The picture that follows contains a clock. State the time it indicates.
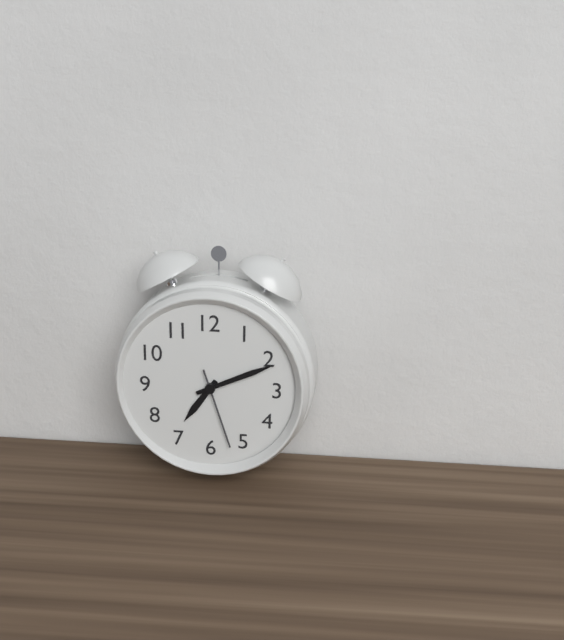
7:11:27
